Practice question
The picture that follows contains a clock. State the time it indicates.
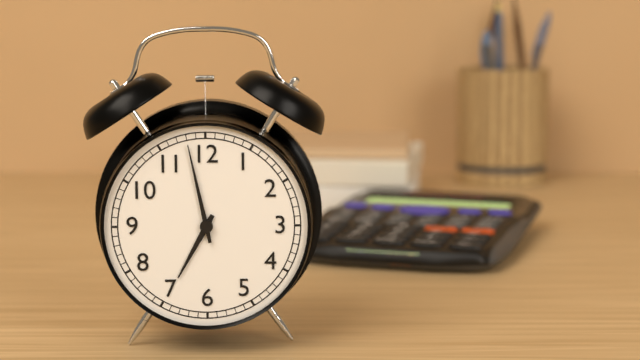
6:58
